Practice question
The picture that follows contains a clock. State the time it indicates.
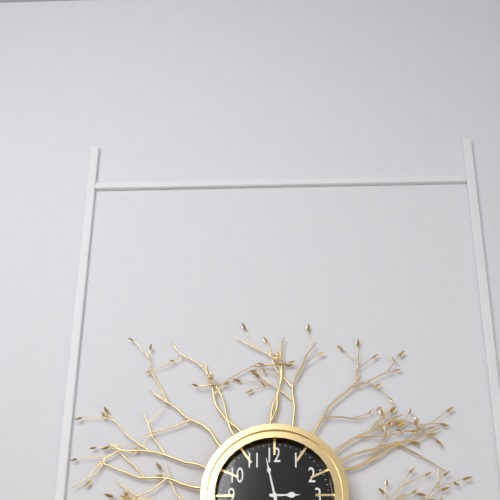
2:58
